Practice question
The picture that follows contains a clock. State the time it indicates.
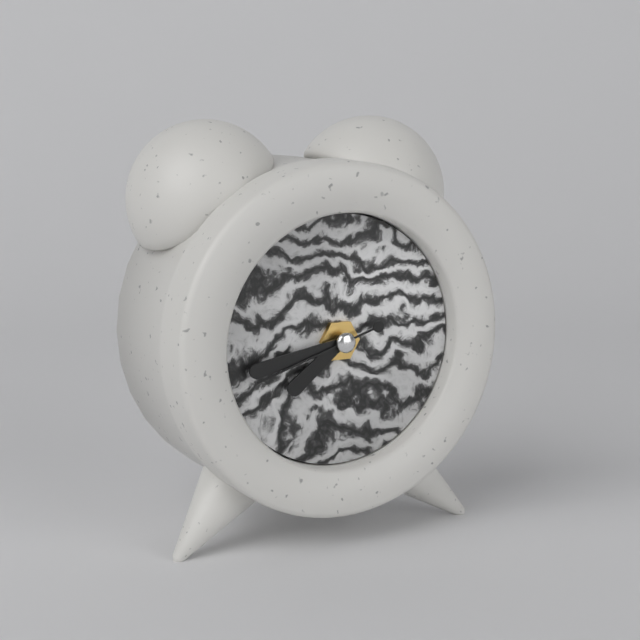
7:43:42
